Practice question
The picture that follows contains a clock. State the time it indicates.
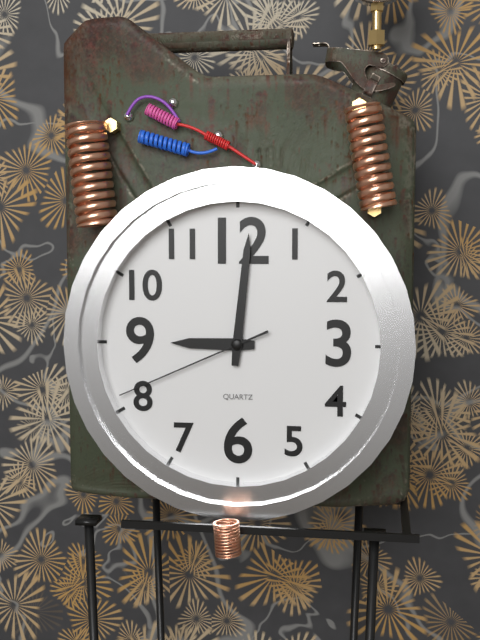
9:01:41
